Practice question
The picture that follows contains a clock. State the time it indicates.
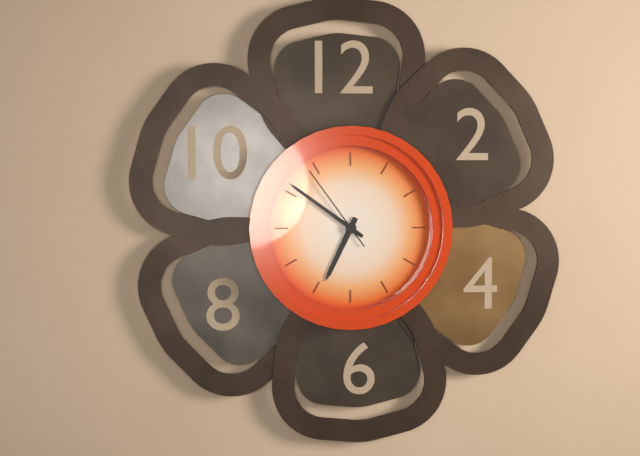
6:51:54
